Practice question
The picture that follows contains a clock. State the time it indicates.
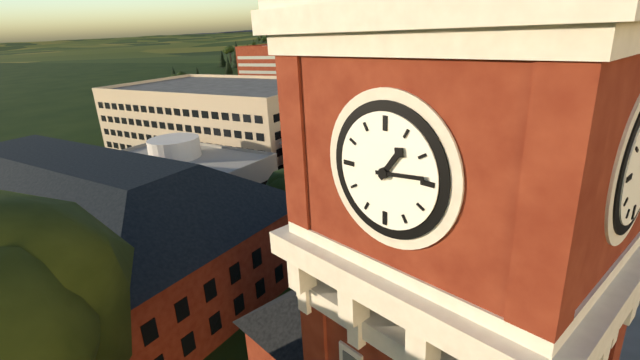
1:14
